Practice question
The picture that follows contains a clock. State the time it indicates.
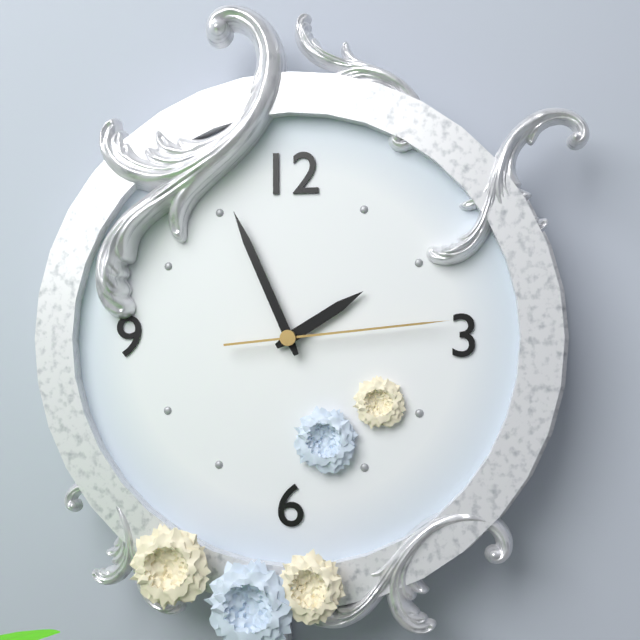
1:56:14
